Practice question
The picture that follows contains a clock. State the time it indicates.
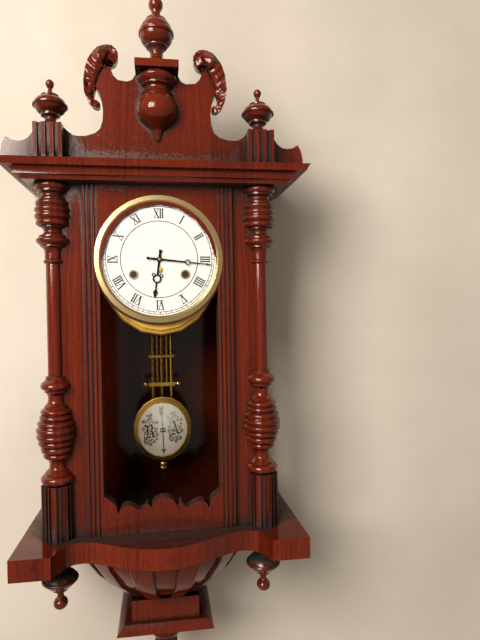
6:16
